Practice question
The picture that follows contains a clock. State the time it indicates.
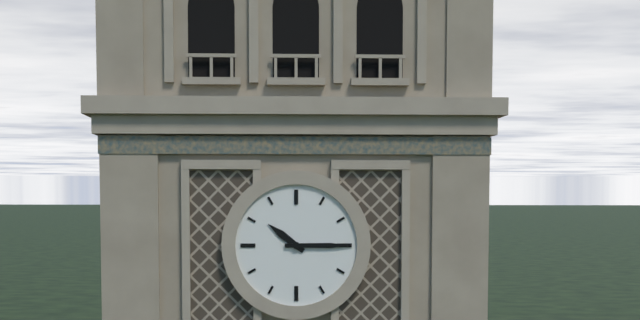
10:15
